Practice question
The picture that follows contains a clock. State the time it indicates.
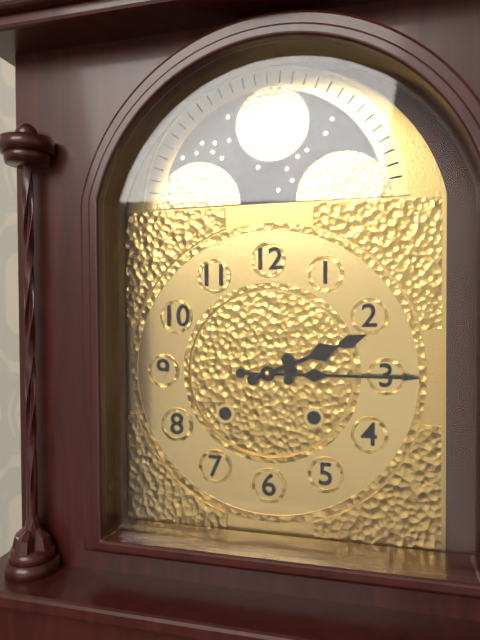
2:15
